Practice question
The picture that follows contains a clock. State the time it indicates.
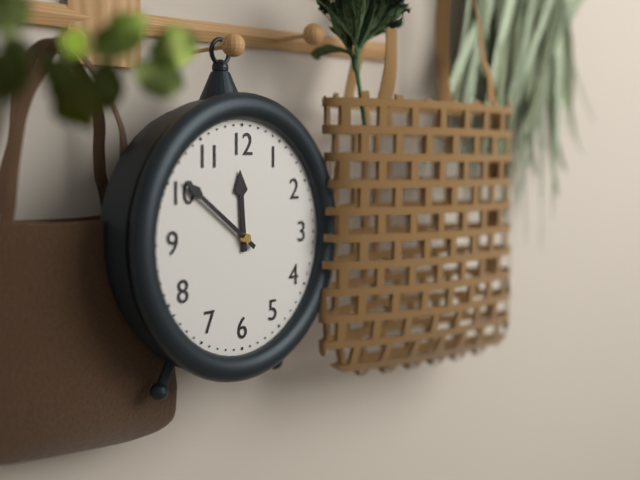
11:51
